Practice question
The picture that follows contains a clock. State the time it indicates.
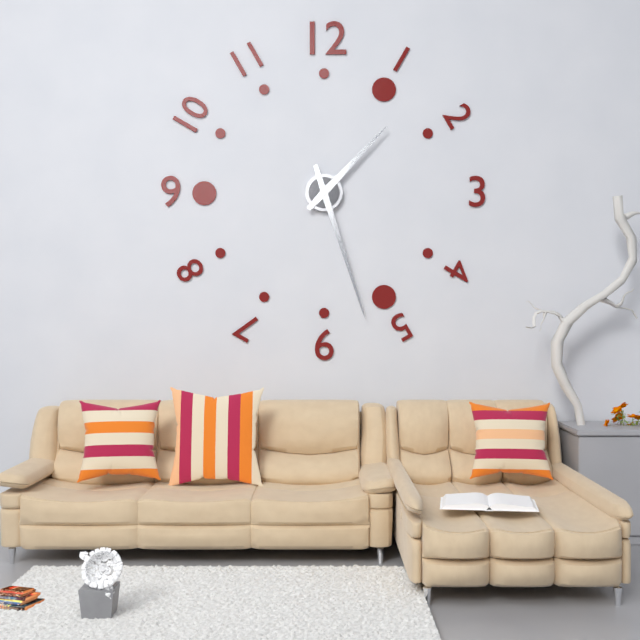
1:27
